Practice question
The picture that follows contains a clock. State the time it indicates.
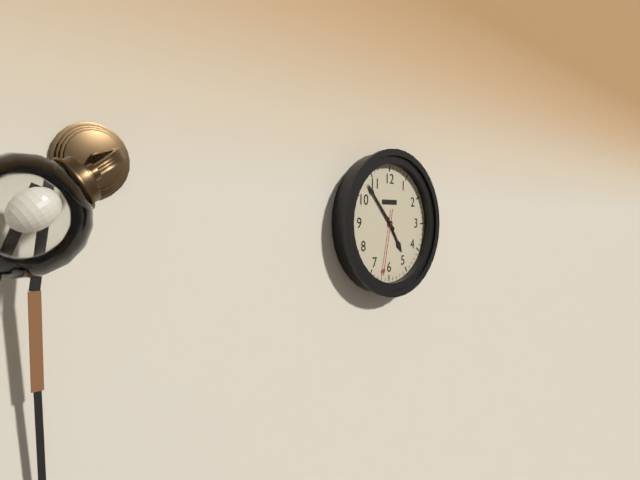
4:53:32
